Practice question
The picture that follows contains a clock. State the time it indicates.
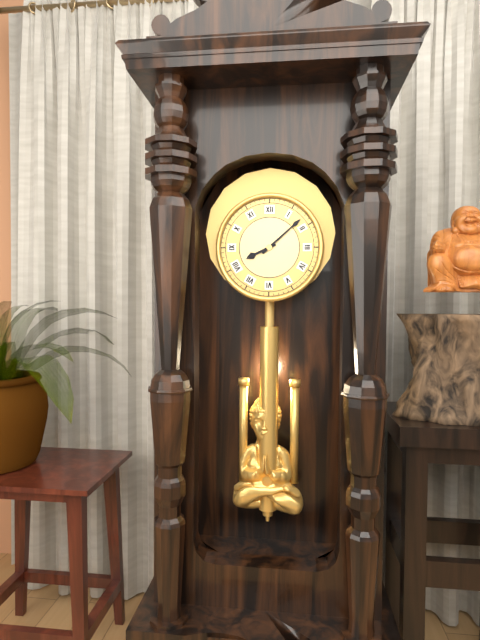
8:08
